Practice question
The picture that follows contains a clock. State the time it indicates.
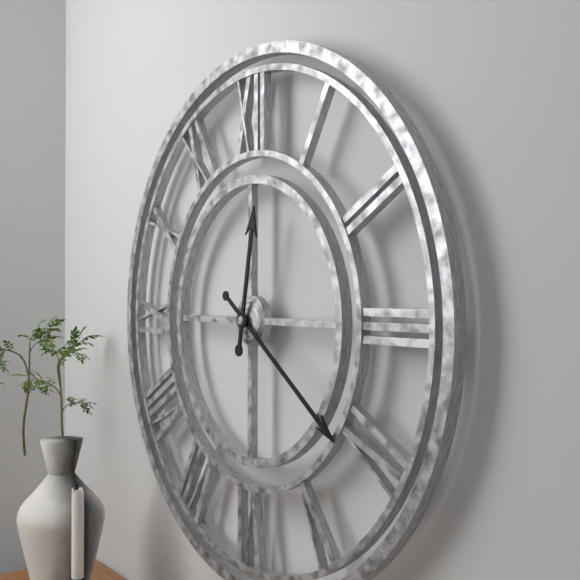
12:21
